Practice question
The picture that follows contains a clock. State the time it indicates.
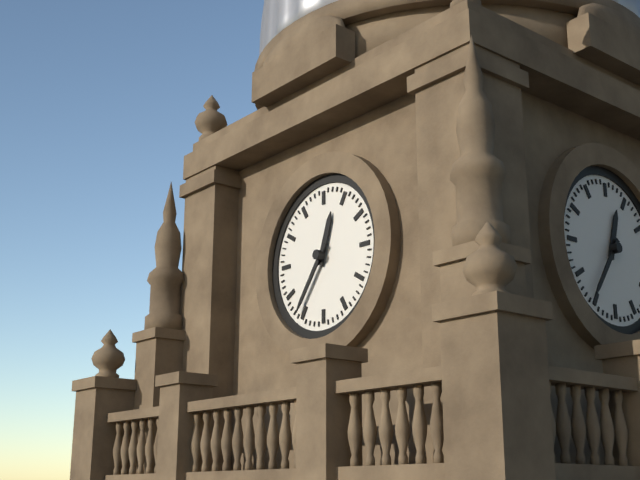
12:36
